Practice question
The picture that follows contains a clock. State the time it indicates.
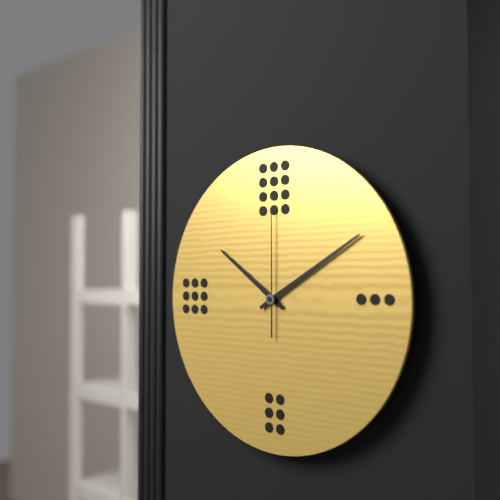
10:10:00
